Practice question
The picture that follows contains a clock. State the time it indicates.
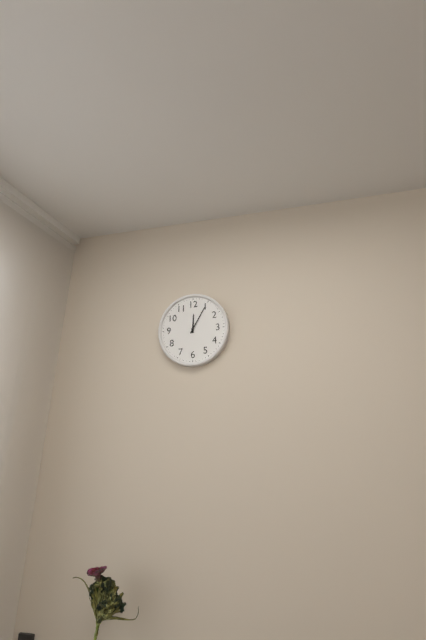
12:05
